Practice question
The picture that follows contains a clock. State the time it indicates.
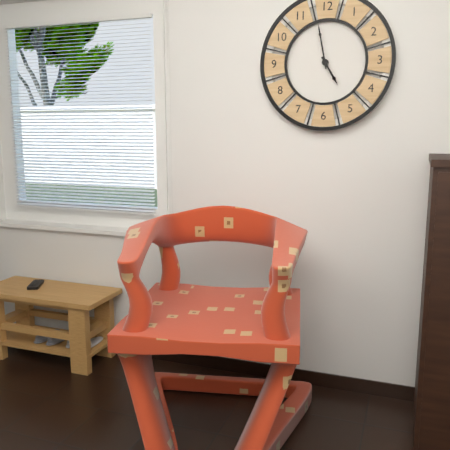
4:58
